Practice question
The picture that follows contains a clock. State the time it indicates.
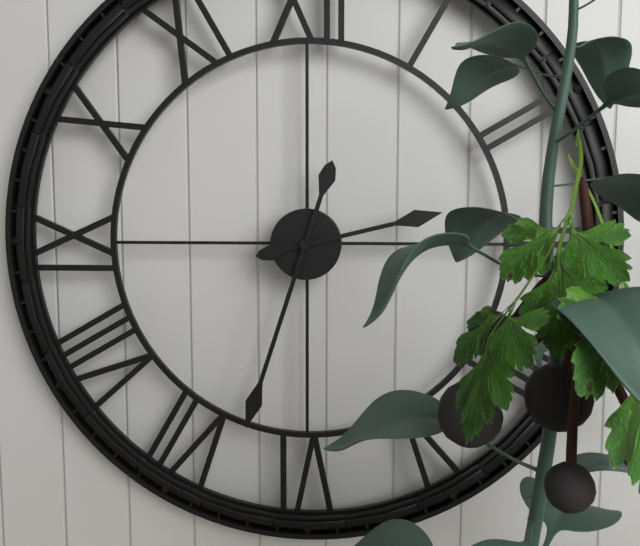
2:33
